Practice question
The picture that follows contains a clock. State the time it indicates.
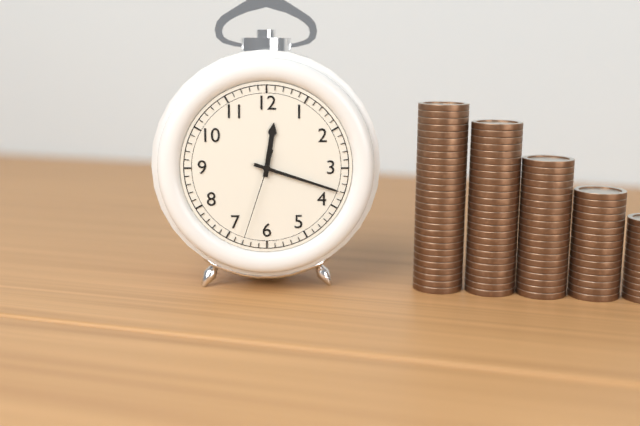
12:18:33
